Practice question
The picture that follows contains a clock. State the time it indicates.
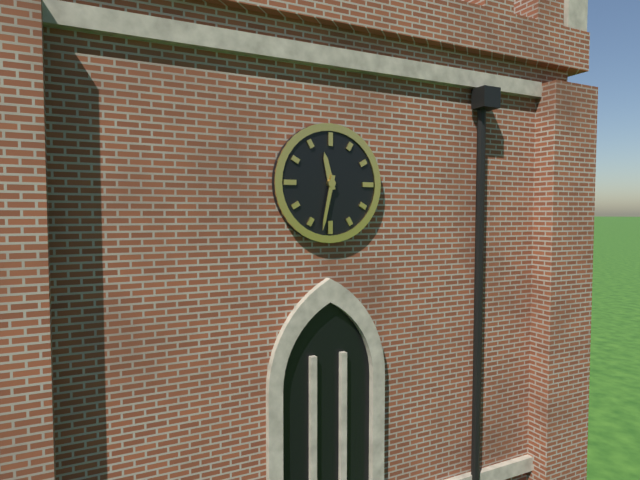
11:32
